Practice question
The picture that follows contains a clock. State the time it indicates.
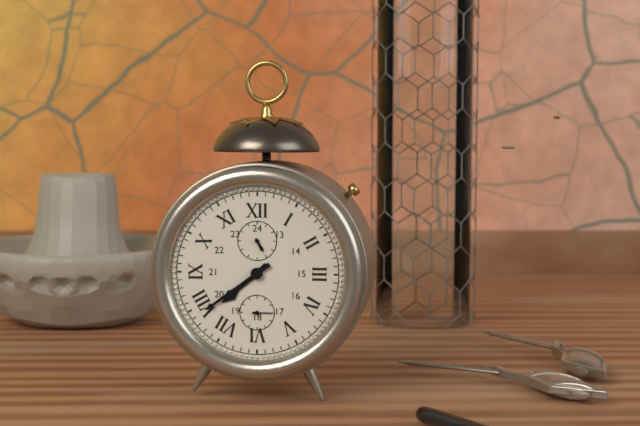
7:39
